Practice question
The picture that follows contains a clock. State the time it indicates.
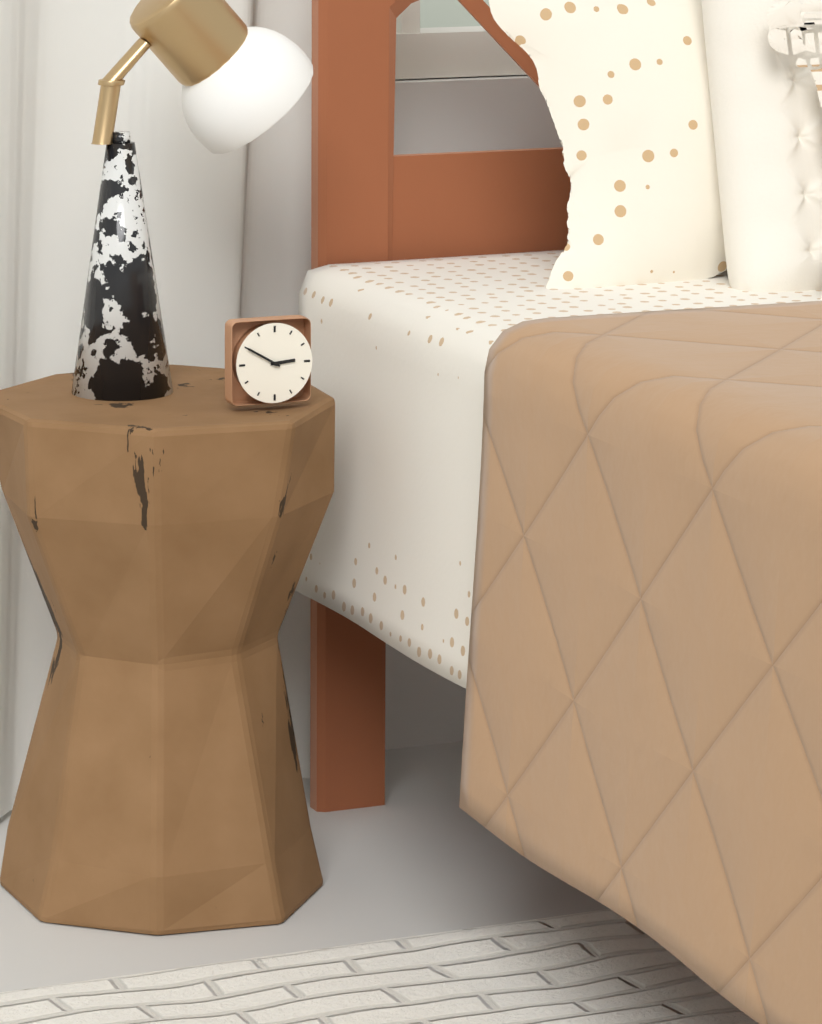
2:50
